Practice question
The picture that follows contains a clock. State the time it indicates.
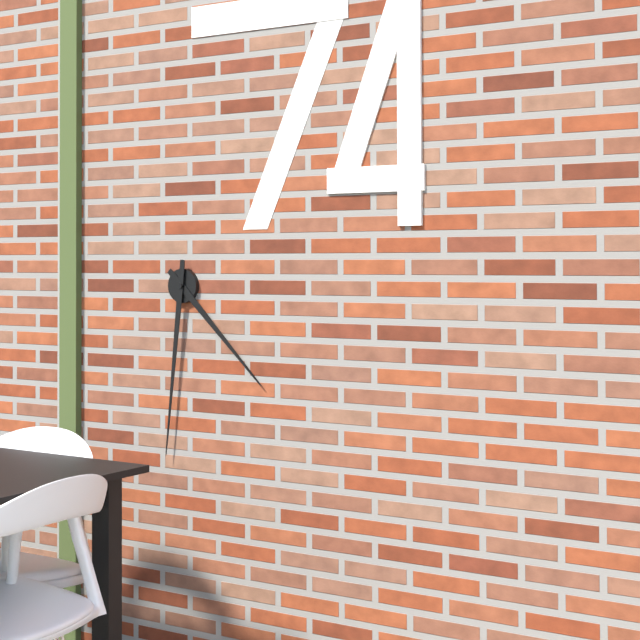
4:31
